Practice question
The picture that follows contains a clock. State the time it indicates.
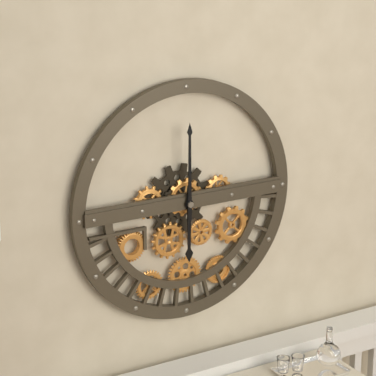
6:00
